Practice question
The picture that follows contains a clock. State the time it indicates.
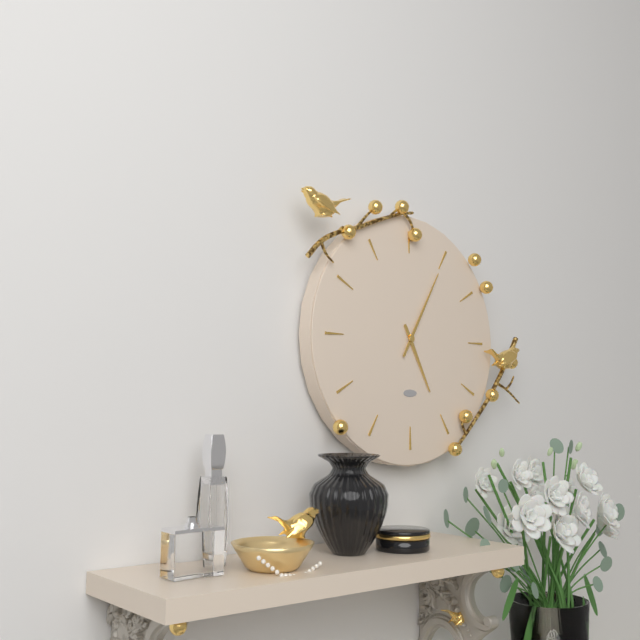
5:05
